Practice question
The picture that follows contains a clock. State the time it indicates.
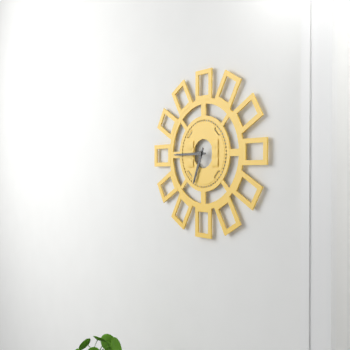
6:45
